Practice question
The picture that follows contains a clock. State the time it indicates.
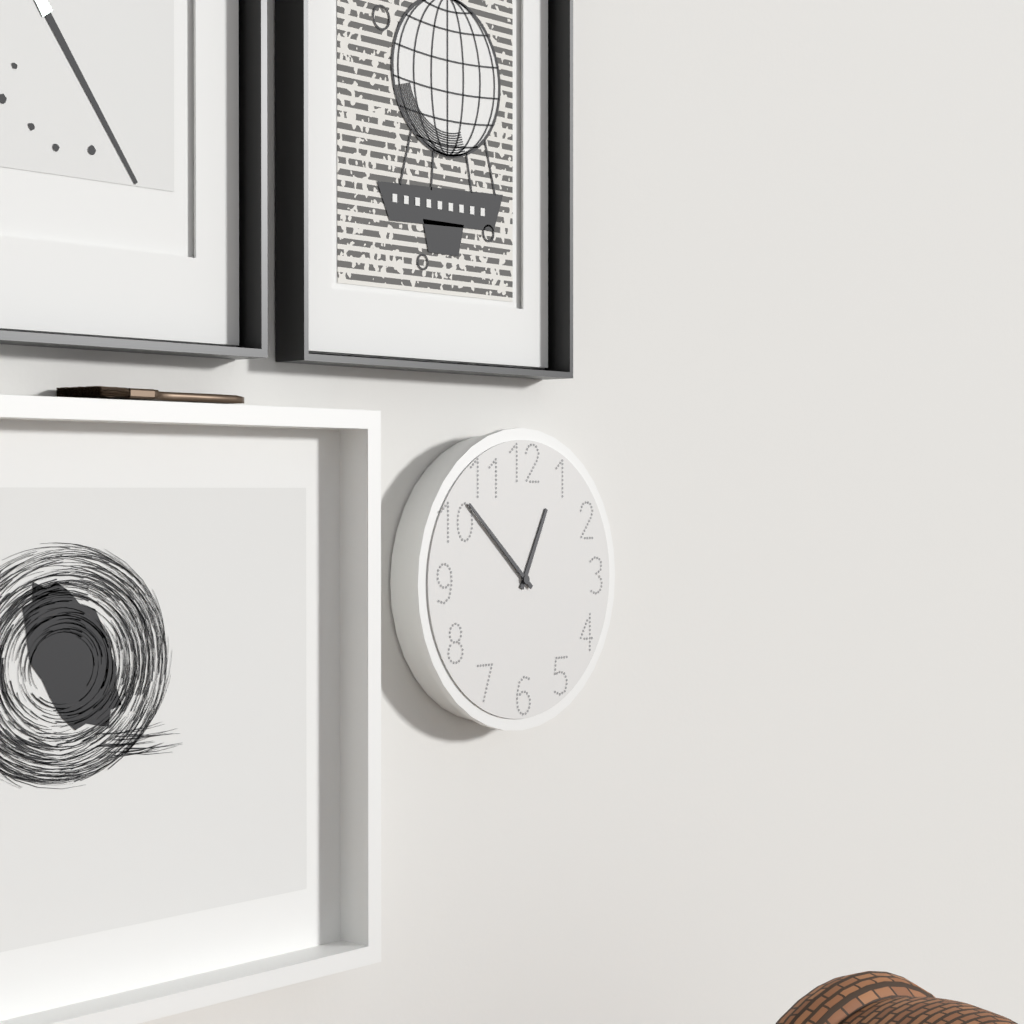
12:52
